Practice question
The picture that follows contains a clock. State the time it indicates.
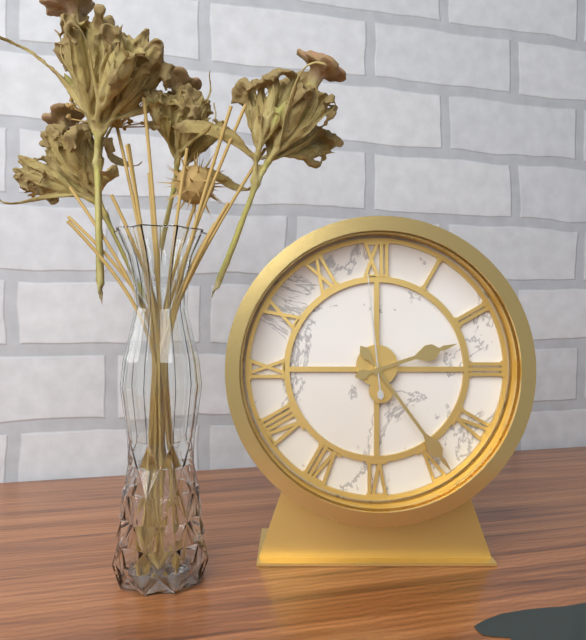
2:24:59
